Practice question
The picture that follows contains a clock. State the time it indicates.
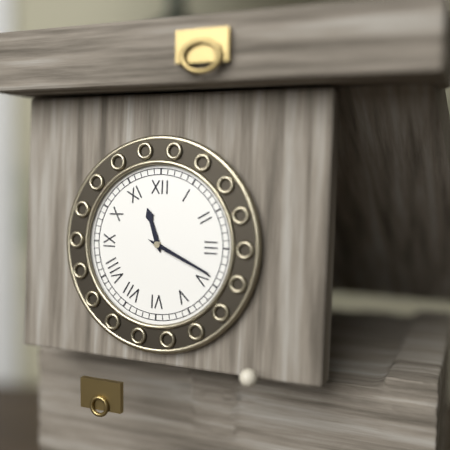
11:19
